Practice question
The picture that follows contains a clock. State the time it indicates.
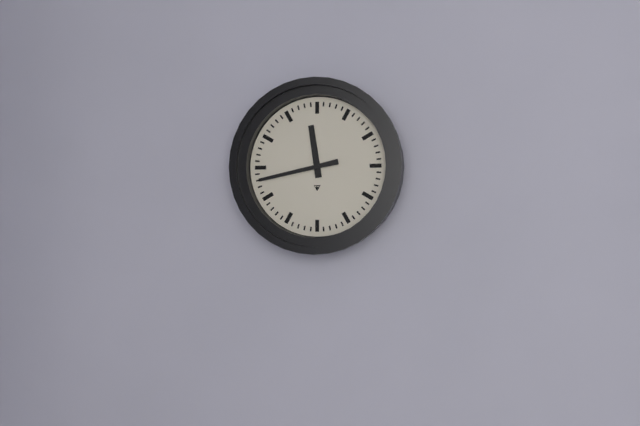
11:43
